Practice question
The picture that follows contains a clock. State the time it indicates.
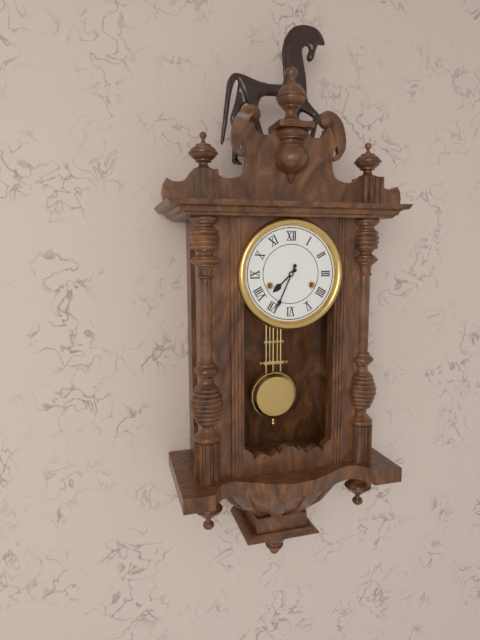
7:34
